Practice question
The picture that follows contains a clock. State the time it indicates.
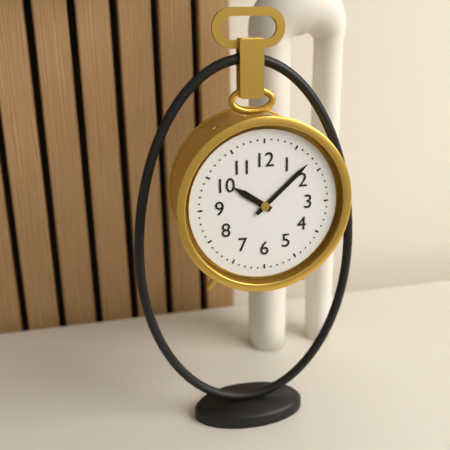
10:08
